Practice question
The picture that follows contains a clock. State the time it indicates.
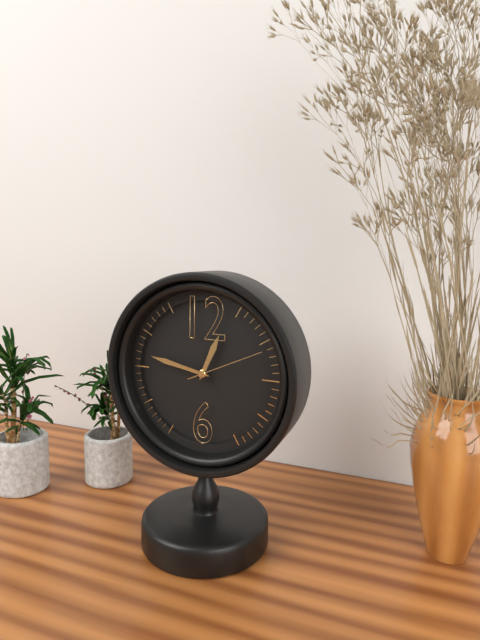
12:47:11
